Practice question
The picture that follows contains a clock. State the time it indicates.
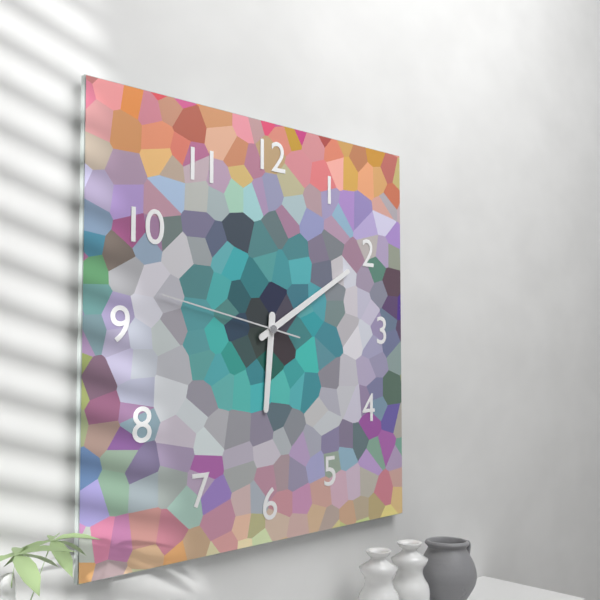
6:10:47
